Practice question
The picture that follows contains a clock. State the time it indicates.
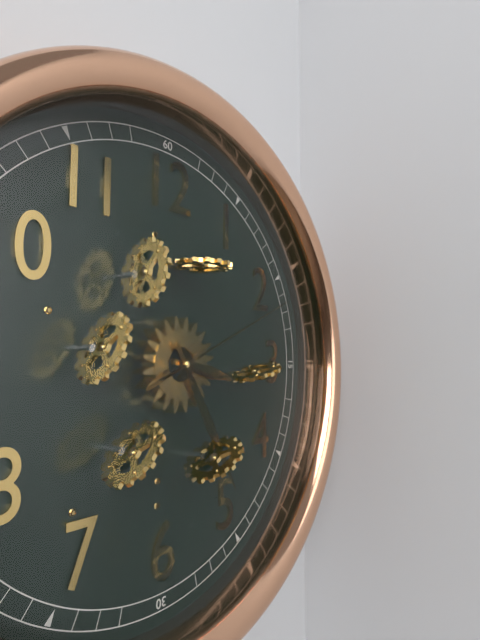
3:25:11
